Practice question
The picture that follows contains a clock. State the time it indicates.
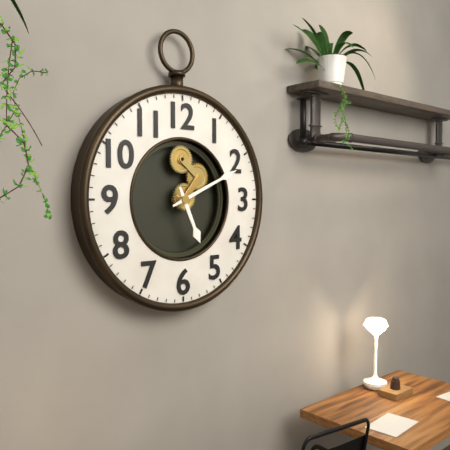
5:11
